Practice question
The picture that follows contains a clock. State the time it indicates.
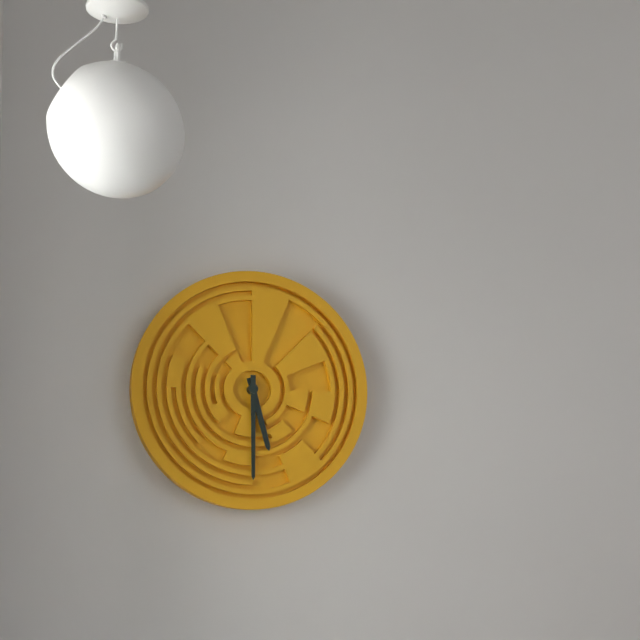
5:30
